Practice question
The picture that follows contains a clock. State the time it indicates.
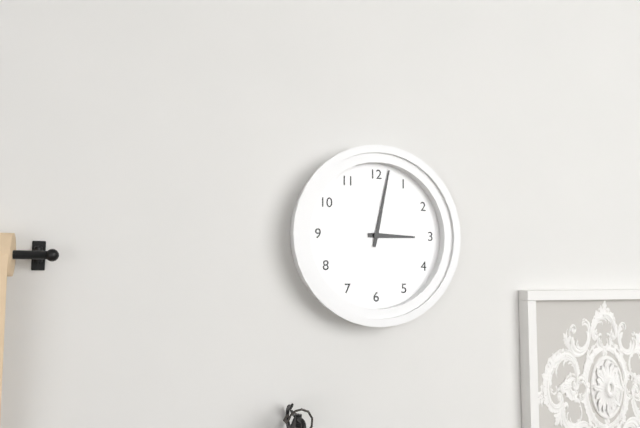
3:02
